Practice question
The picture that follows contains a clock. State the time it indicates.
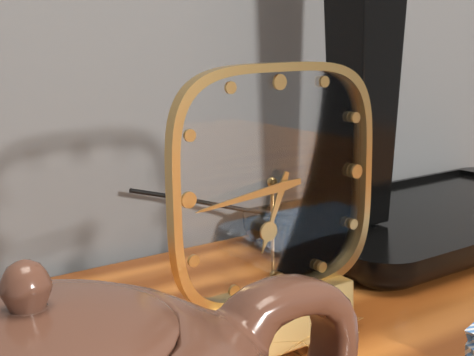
6:44
